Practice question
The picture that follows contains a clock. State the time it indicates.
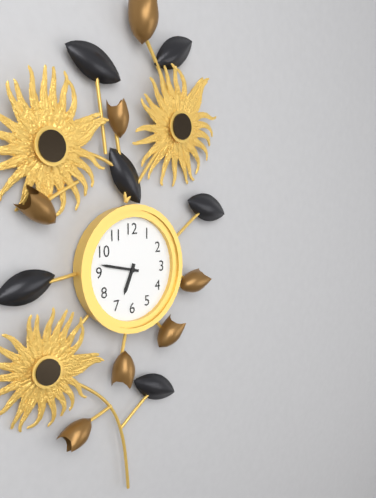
6:47
